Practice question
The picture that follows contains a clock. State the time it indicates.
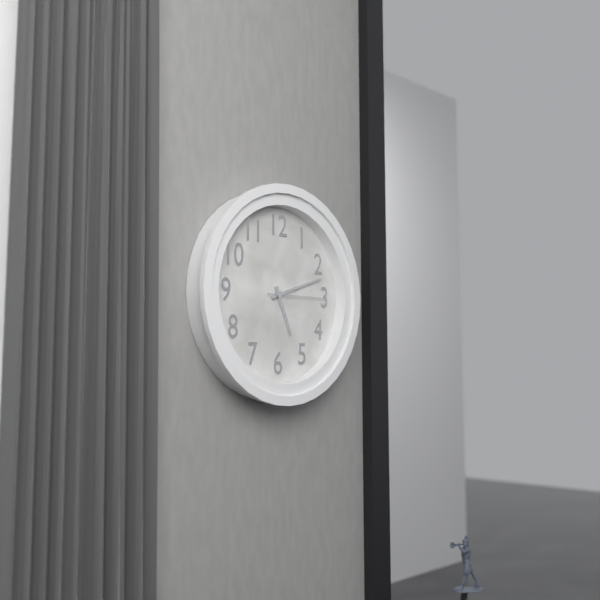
5:12:15
